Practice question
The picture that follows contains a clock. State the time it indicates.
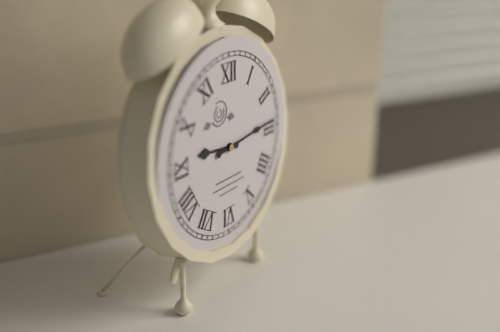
9:14
